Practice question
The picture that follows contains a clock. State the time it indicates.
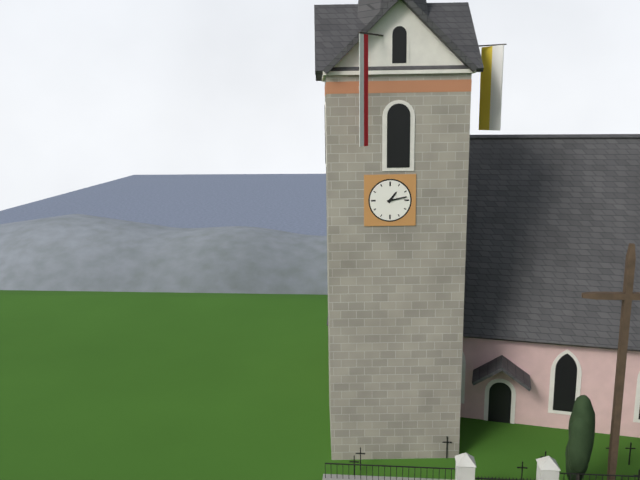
1:13
